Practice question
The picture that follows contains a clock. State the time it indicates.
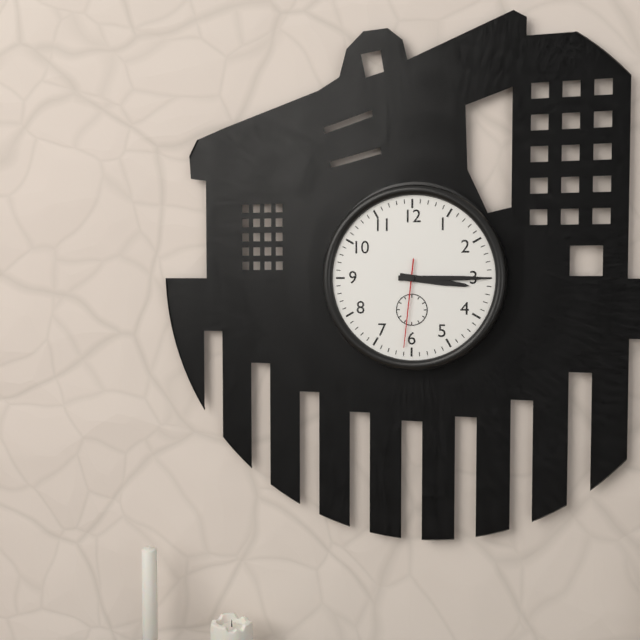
3:15:31
